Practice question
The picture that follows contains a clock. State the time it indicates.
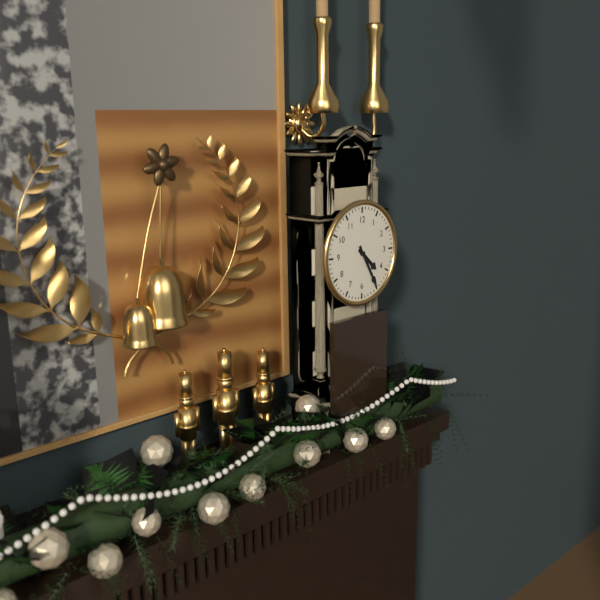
4:25
